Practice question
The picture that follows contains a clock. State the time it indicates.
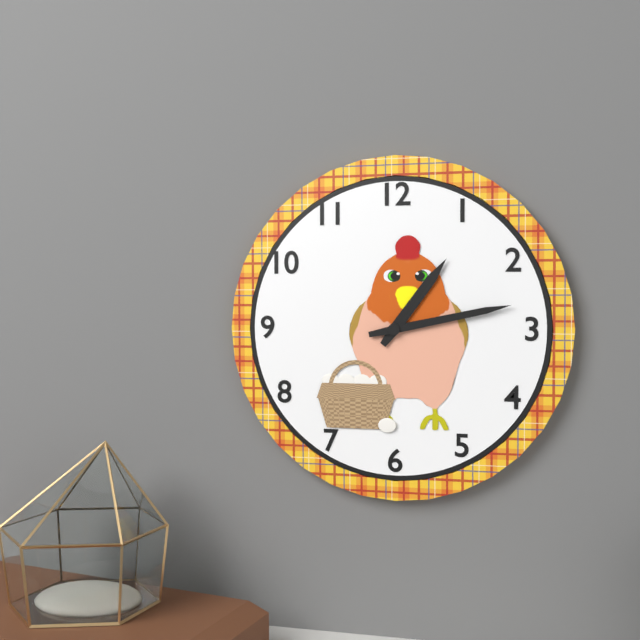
1:13
